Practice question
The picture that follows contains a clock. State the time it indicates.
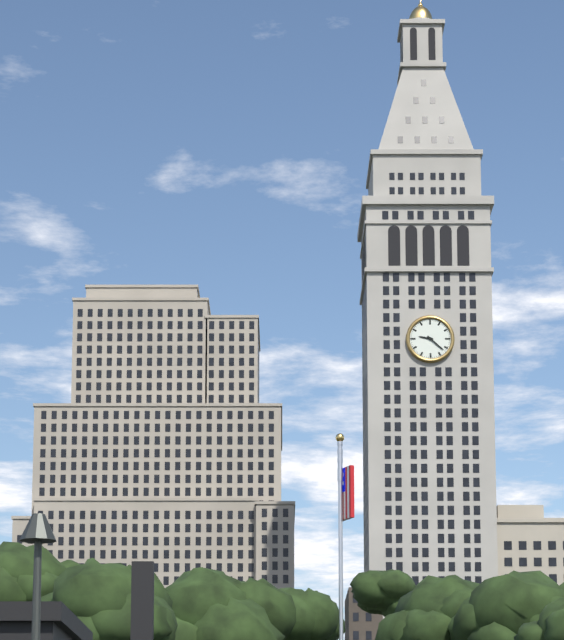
9:22
